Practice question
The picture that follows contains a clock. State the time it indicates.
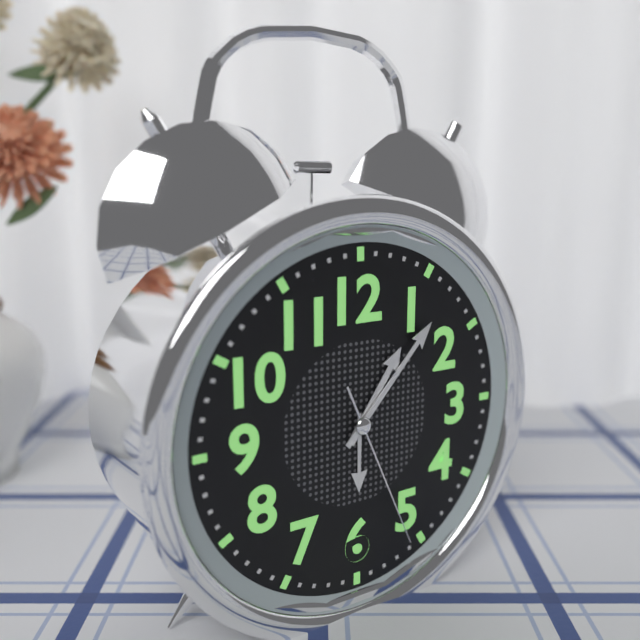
1:07:26
